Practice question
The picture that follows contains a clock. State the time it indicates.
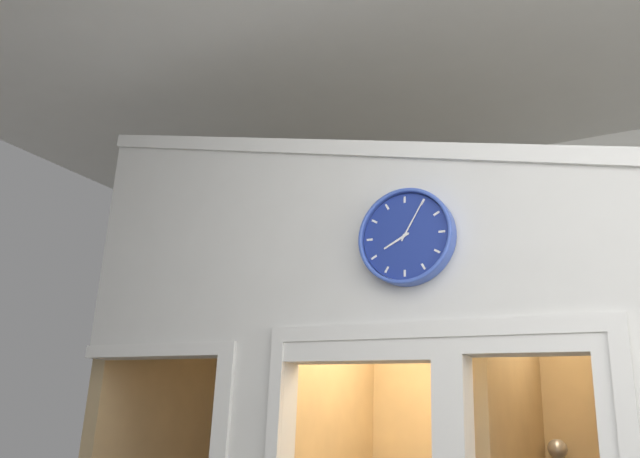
8:05
